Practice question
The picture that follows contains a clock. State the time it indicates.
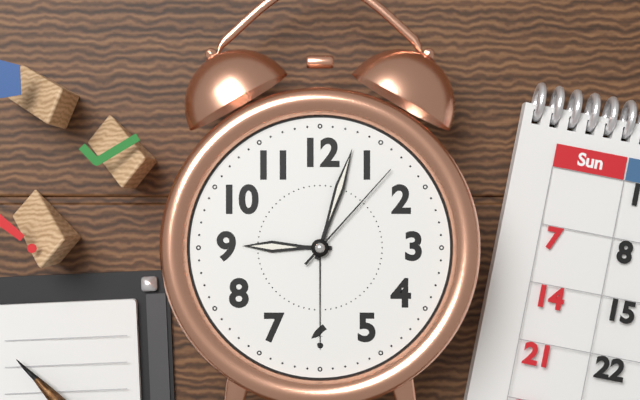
9:03:07
